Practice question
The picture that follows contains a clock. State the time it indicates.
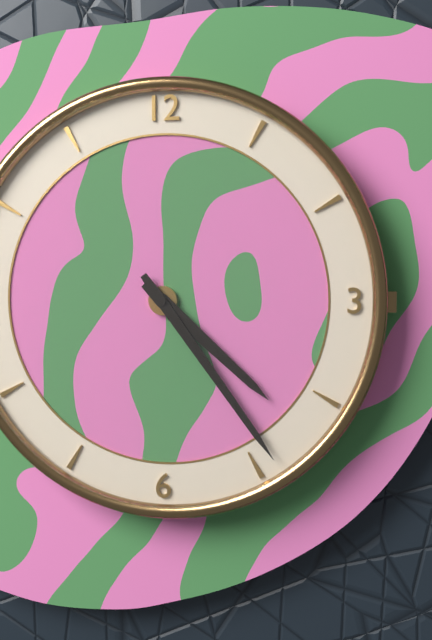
4:24
